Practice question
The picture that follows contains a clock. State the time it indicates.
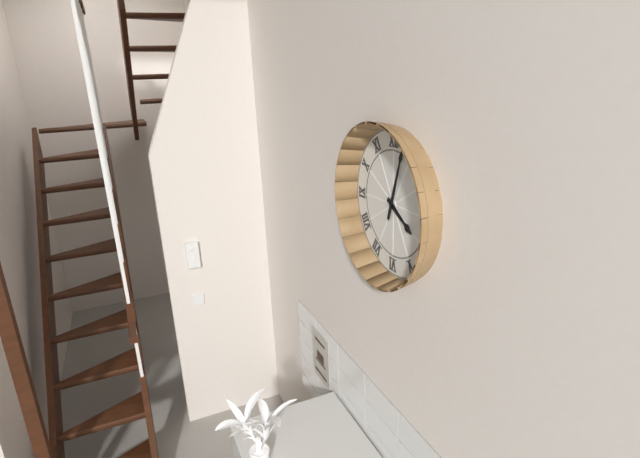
4:03
